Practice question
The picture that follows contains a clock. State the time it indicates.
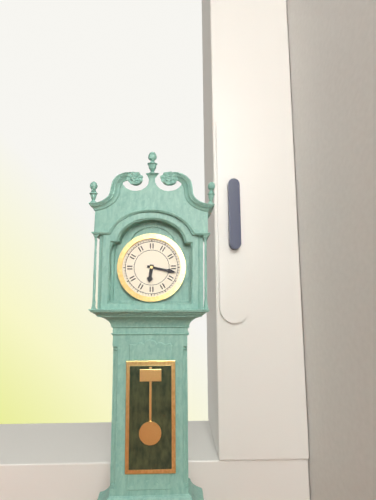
6:17
